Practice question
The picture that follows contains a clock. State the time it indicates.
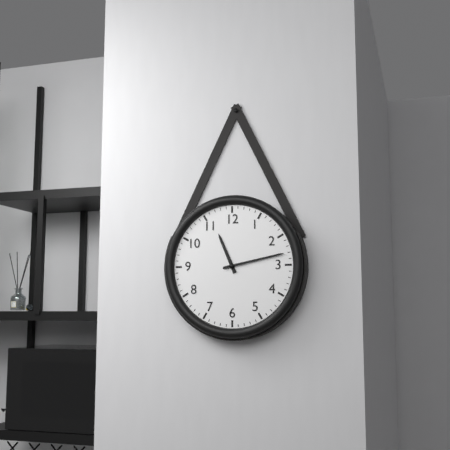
11:13
